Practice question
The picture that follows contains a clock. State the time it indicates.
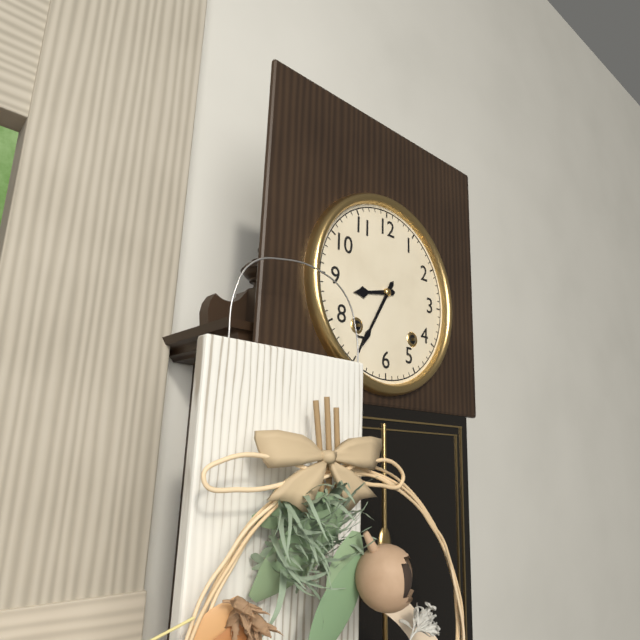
8:35
